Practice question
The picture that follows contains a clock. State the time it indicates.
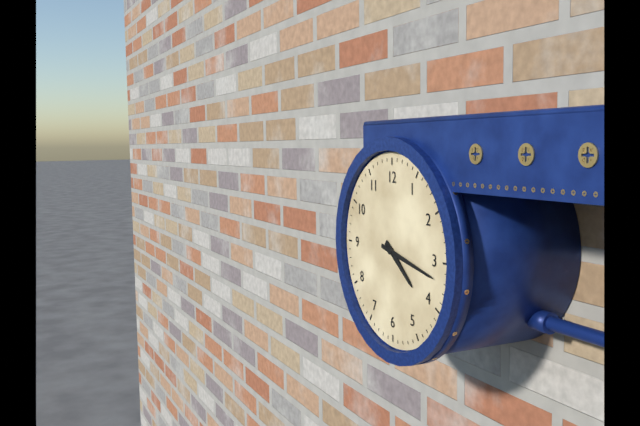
4:17
